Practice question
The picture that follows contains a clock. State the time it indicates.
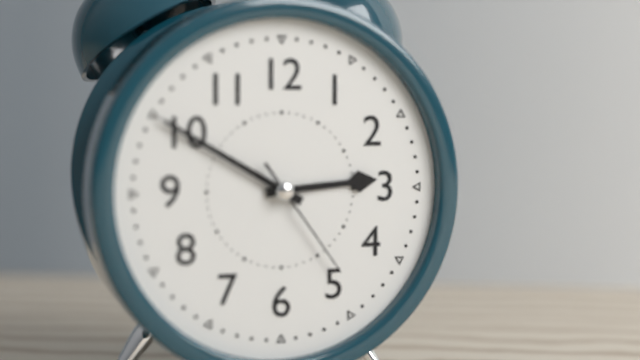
2:50:24
